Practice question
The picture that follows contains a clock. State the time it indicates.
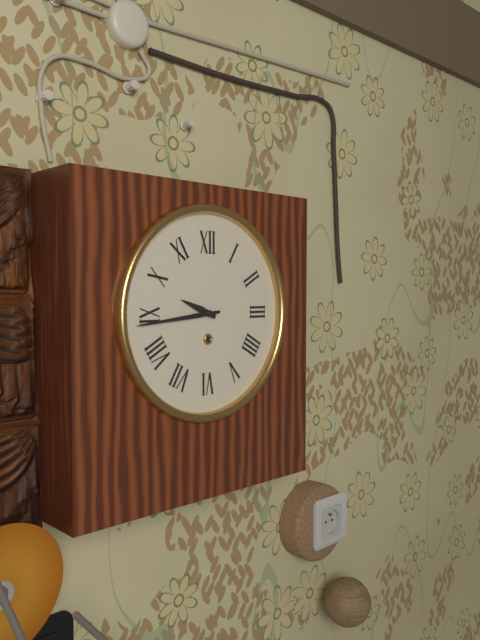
9:44
